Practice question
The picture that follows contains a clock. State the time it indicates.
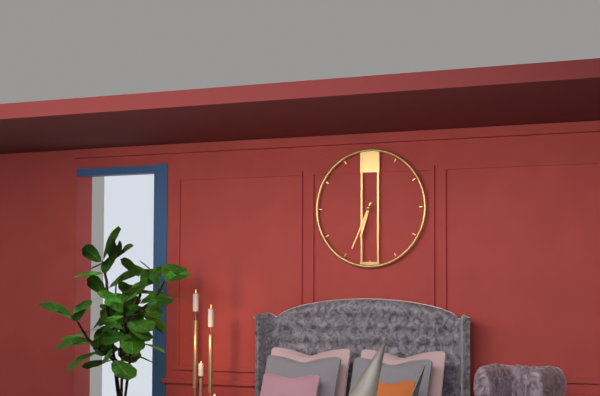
6:34
